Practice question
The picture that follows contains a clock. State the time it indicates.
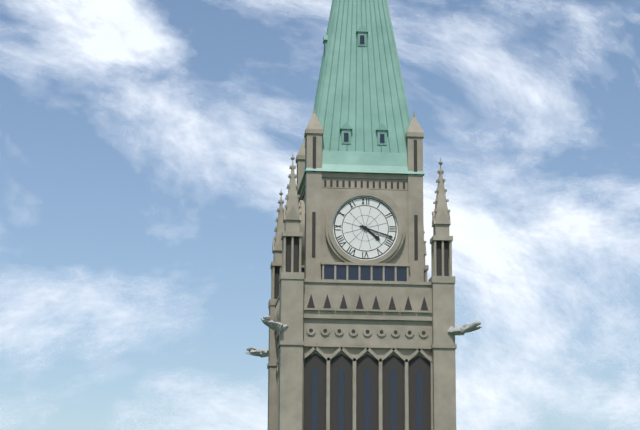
4:18
